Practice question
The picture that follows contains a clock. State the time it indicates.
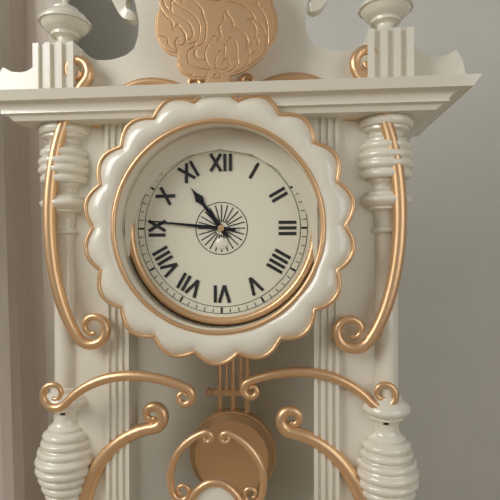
10:46
